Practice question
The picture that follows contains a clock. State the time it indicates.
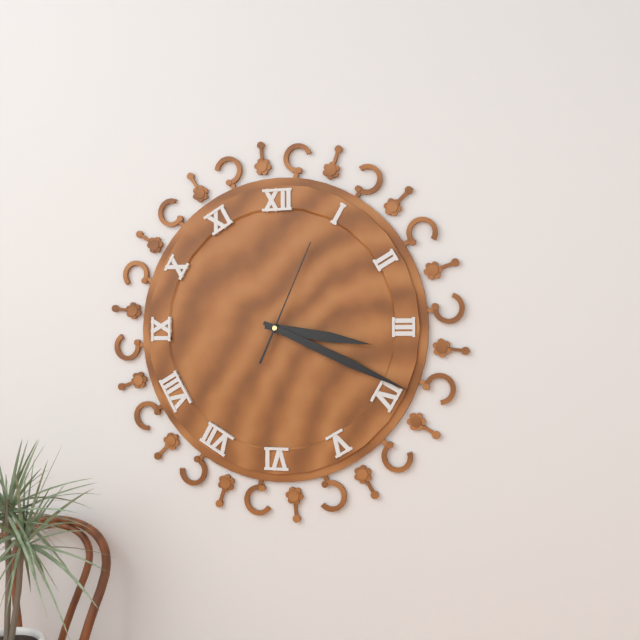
3:19:04
